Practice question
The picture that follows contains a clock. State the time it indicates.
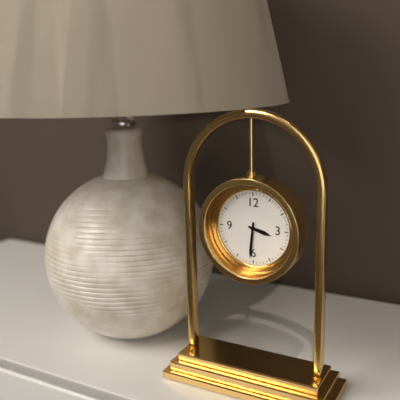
3:31
